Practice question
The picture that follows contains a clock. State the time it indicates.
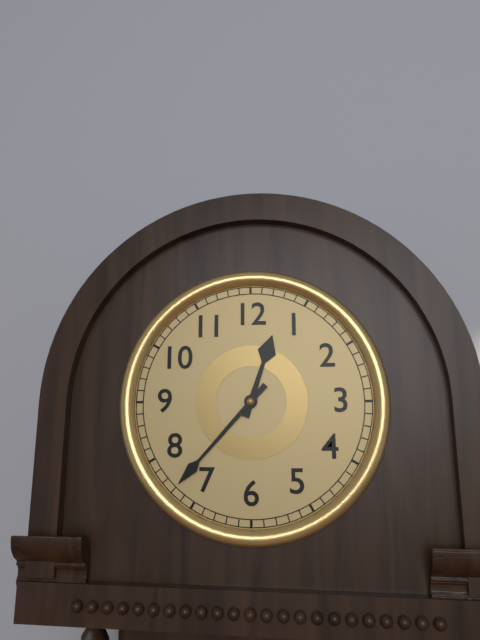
12:37
